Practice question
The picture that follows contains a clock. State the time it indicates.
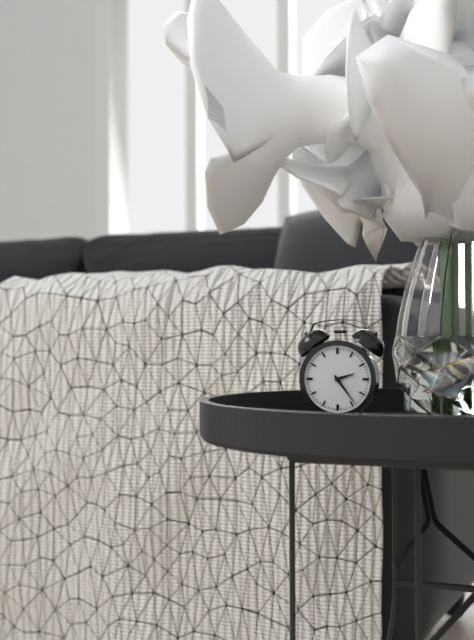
2:24
